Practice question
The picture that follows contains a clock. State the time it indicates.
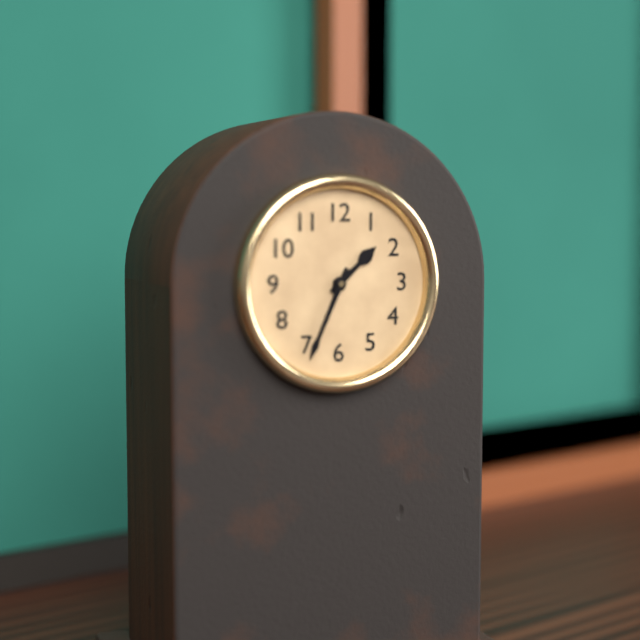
1:34
